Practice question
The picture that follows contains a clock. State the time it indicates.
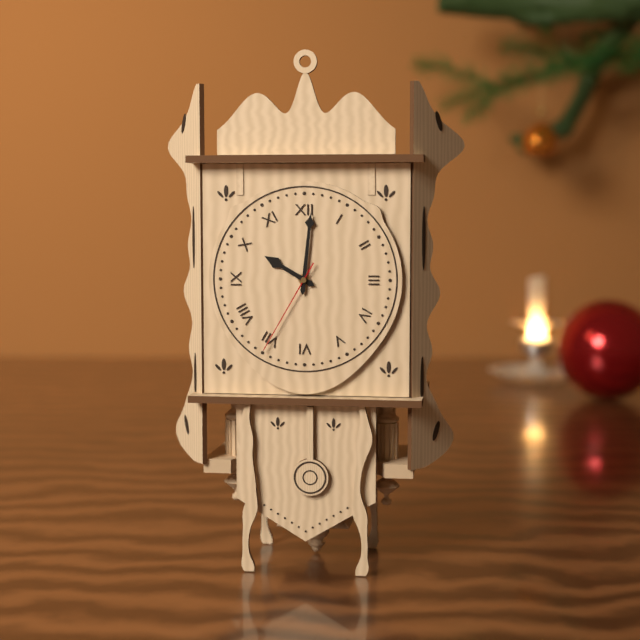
10:01:35
